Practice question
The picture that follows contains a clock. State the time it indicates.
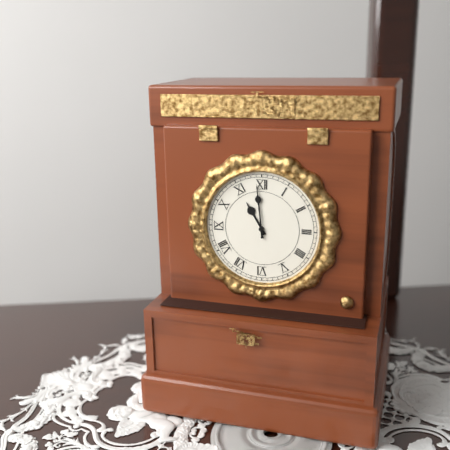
10:59
